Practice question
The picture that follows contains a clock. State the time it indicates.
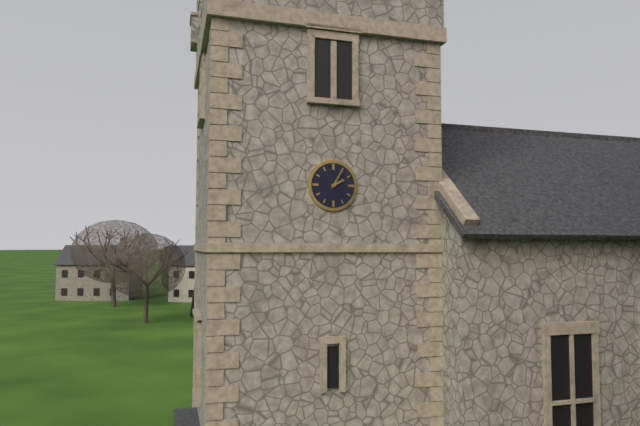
2:05
